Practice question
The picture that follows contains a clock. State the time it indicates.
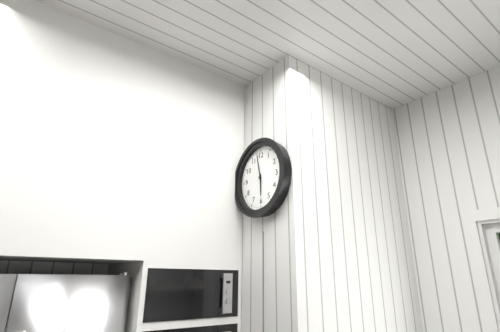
5:58
